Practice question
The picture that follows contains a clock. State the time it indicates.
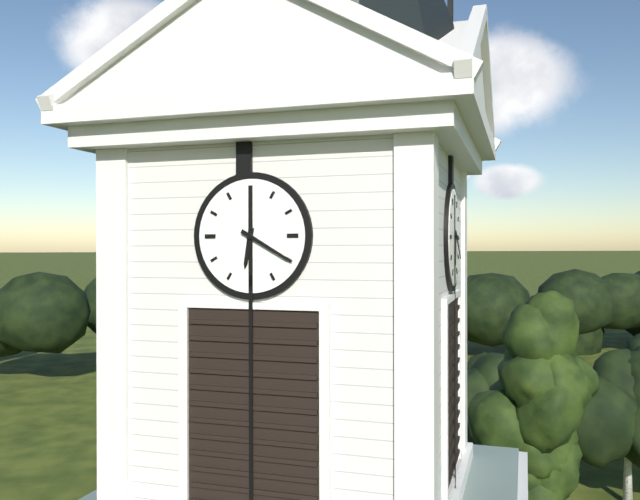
6:20
